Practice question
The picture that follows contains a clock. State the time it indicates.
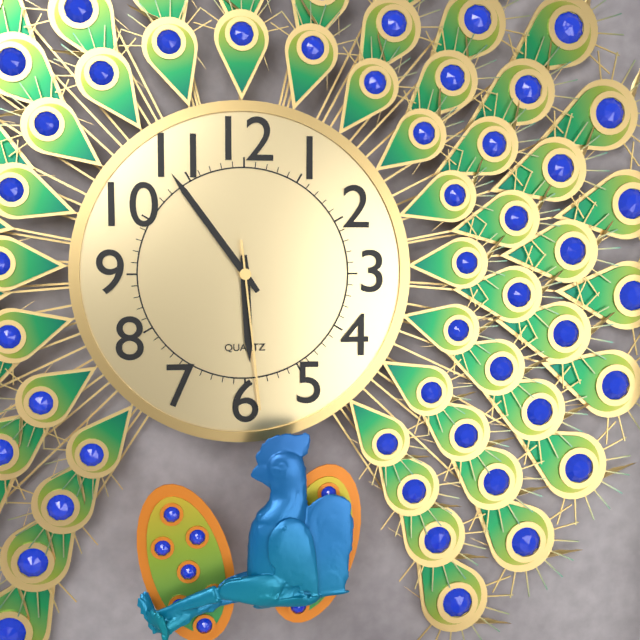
5:54:29
